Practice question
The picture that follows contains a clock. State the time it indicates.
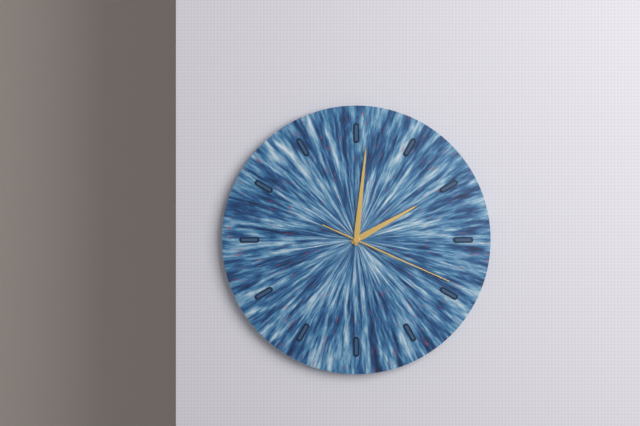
2:01:19
